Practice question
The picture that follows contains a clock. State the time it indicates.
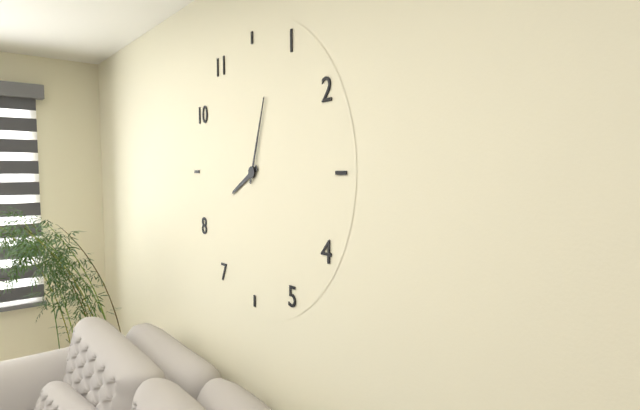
8:03
